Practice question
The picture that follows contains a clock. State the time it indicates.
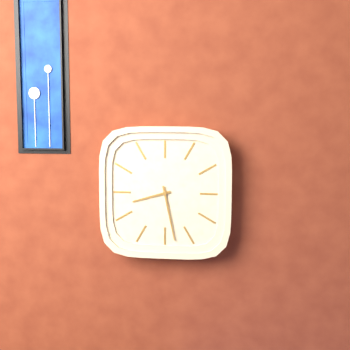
8:28
